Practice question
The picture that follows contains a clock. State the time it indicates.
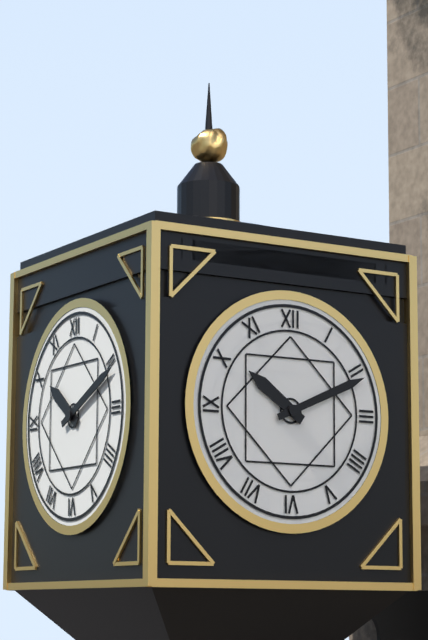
10:11
